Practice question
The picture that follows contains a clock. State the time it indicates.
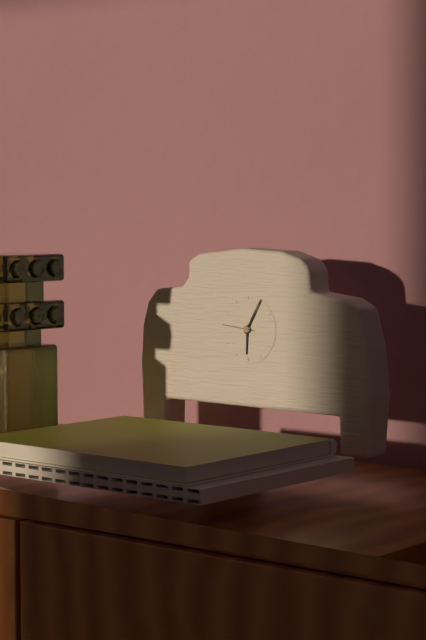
6:05
